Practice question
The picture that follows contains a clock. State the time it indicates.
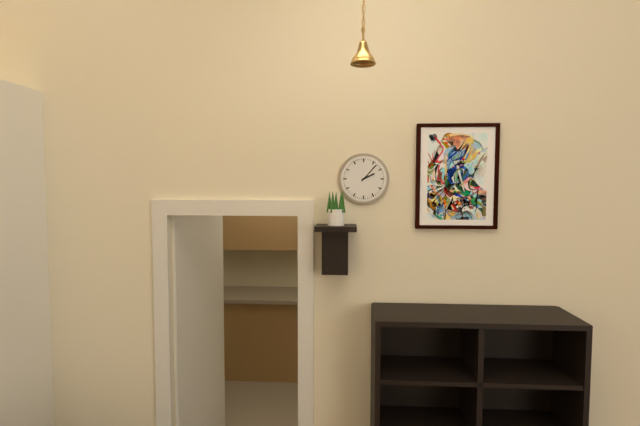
2:07
